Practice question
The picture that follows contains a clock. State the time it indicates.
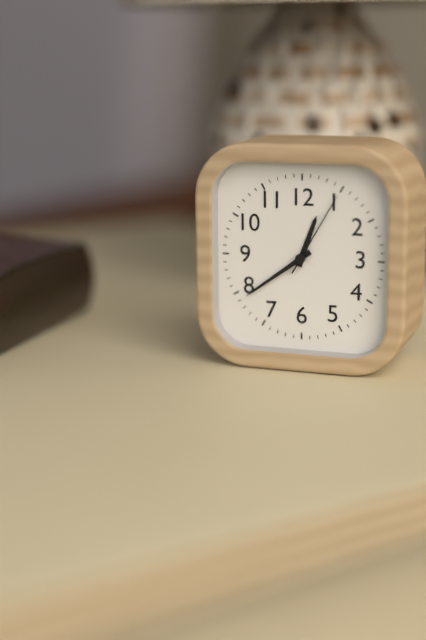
12:39:05
